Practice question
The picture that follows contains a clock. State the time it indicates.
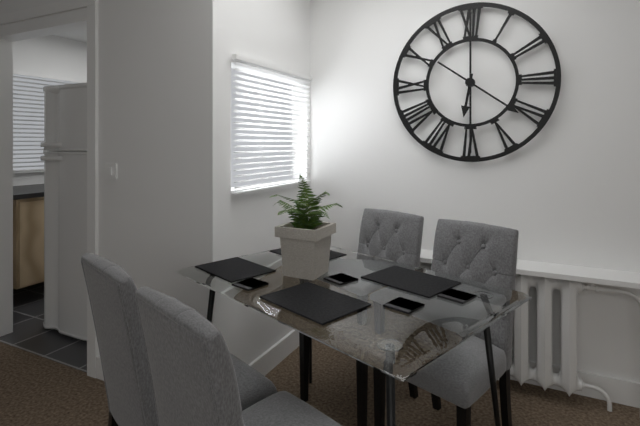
6:21
